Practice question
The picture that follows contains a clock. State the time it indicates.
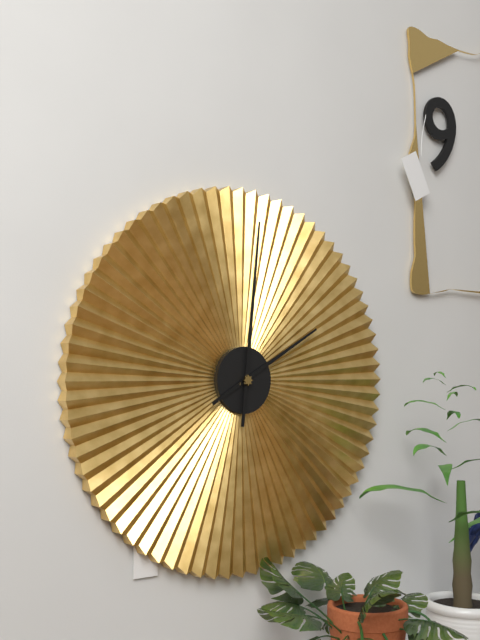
2:01
